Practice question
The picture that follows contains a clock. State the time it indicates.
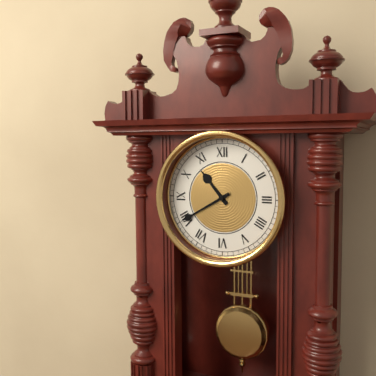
10:40
